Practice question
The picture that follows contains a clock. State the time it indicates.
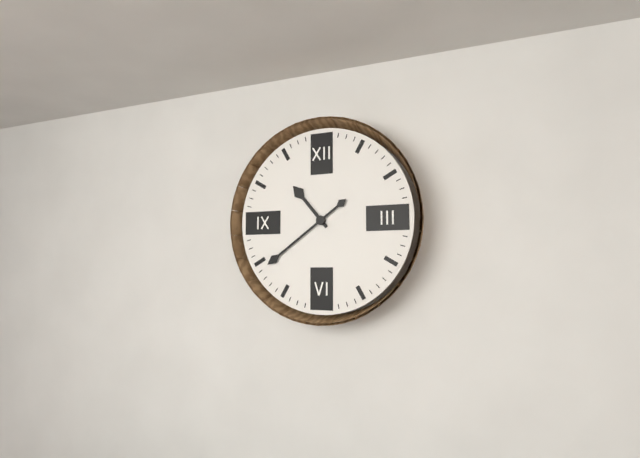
10:39
